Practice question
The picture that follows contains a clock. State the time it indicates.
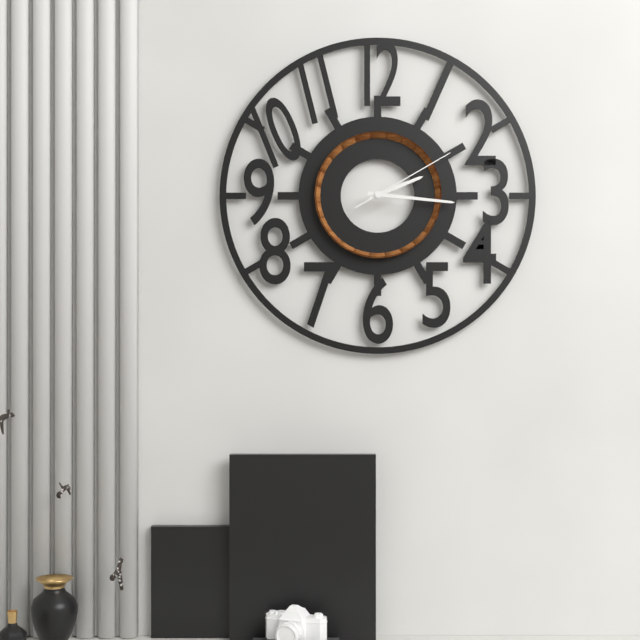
2:16:10
